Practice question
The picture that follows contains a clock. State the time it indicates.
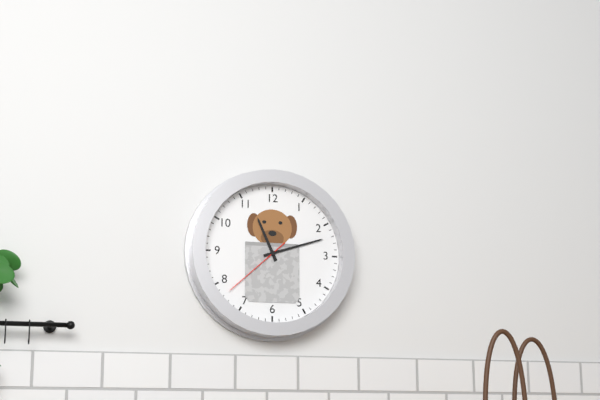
11:12:38
